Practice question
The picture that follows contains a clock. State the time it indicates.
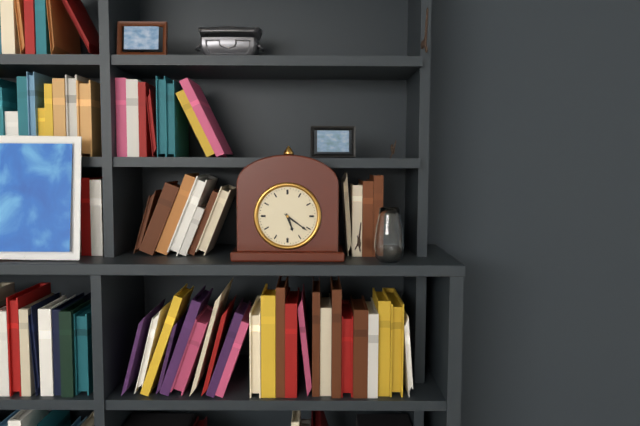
5:21
